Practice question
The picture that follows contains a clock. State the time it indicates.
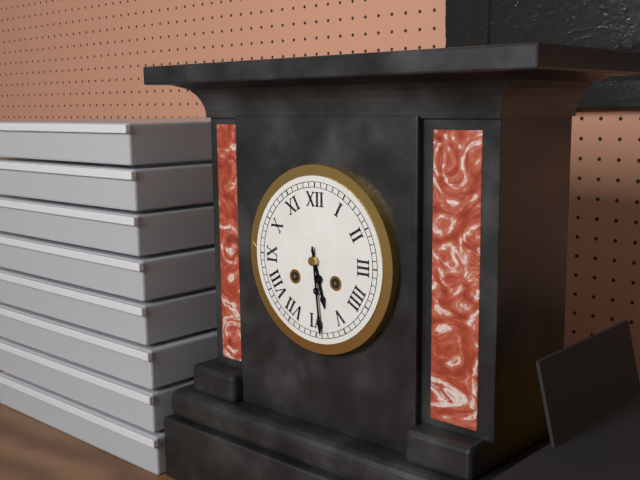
5:29
